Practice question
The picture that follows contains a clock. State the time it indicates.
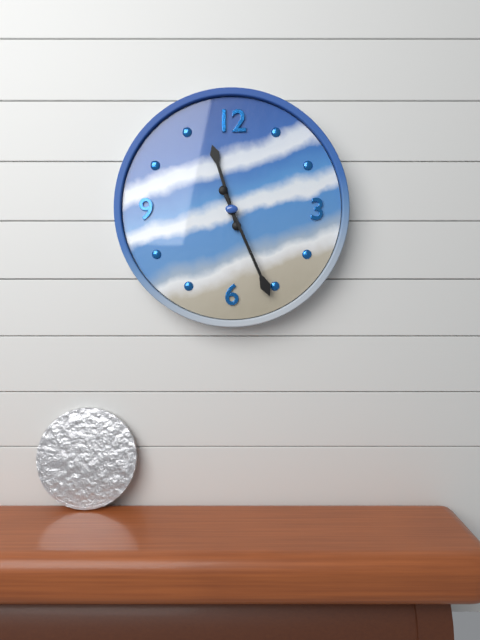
11:26
